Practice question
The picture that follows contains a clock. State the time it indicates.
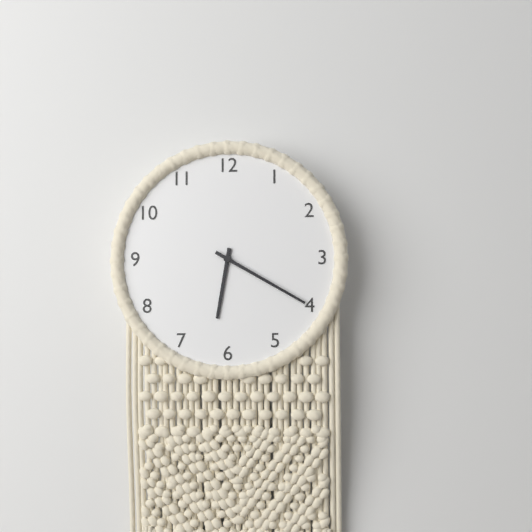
6:20
